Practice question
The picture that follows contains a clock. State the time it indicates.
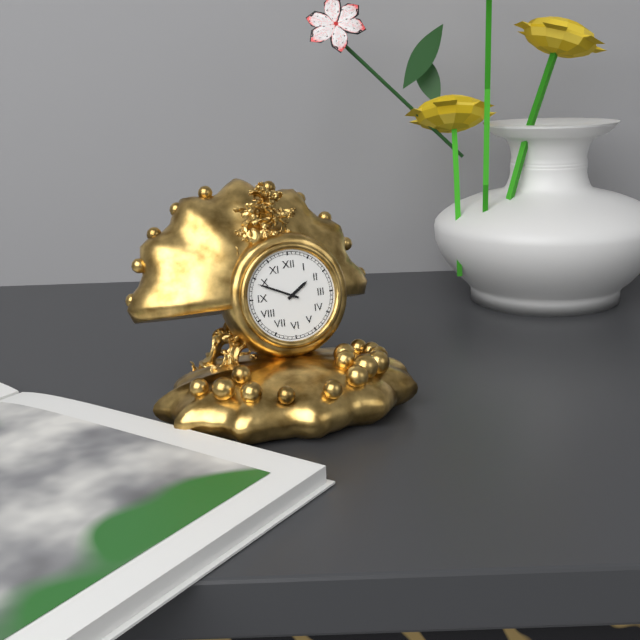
1:49
